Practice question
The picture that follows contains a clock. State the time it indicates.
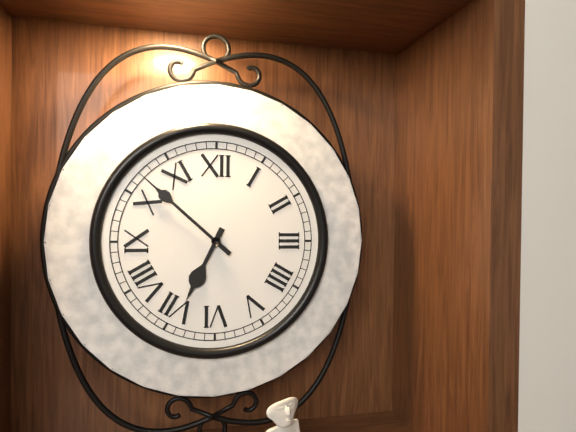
6:52
